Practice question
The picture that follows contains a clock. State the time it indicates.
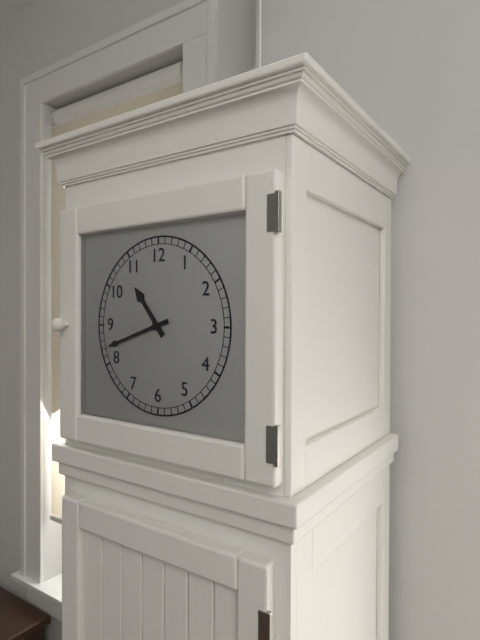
10:42
